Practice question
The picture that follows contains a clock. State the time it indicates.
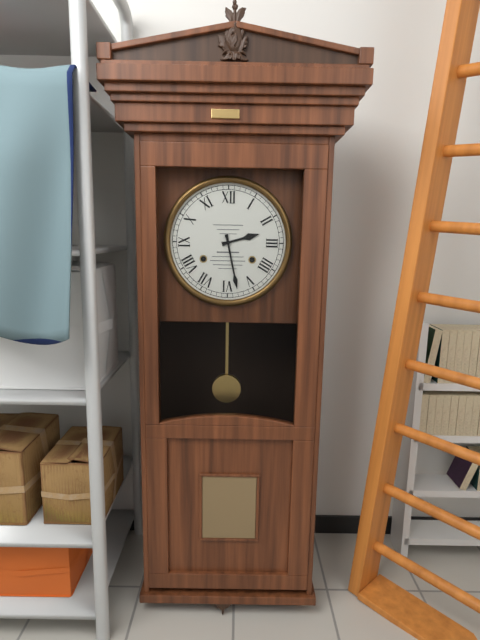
2:28
